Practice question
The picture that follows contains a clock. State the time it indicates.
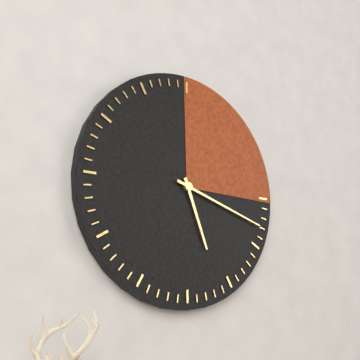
5:18
